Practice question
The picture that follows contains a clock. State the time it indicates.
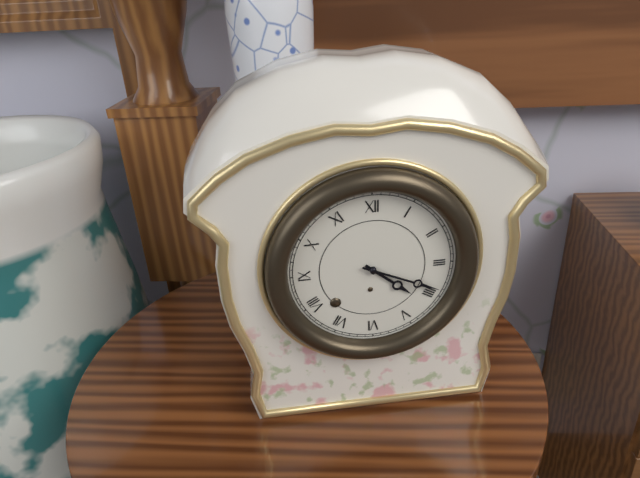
4:19
